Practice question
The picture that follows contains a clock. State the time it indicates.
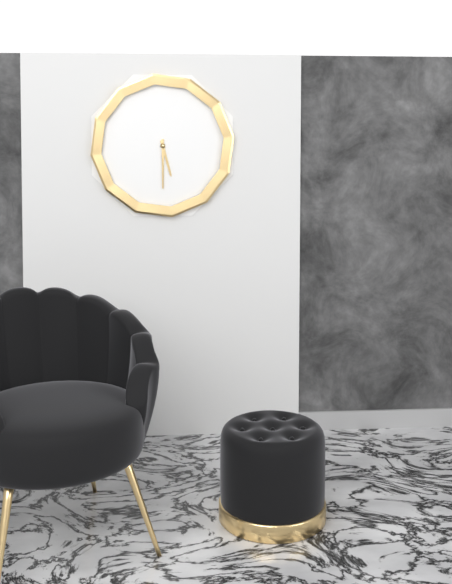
5:30
